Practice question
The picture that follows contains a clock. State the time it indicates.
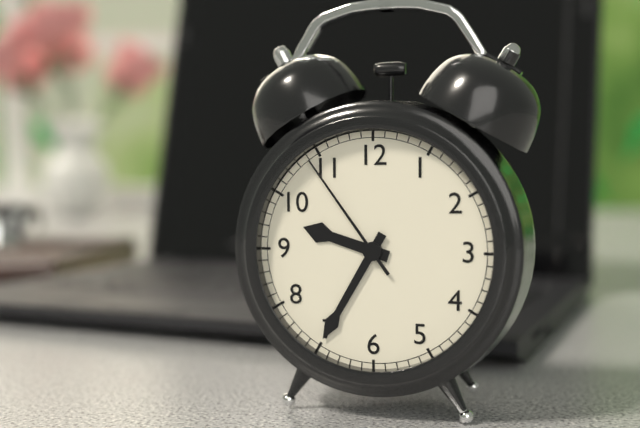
9:35:54
